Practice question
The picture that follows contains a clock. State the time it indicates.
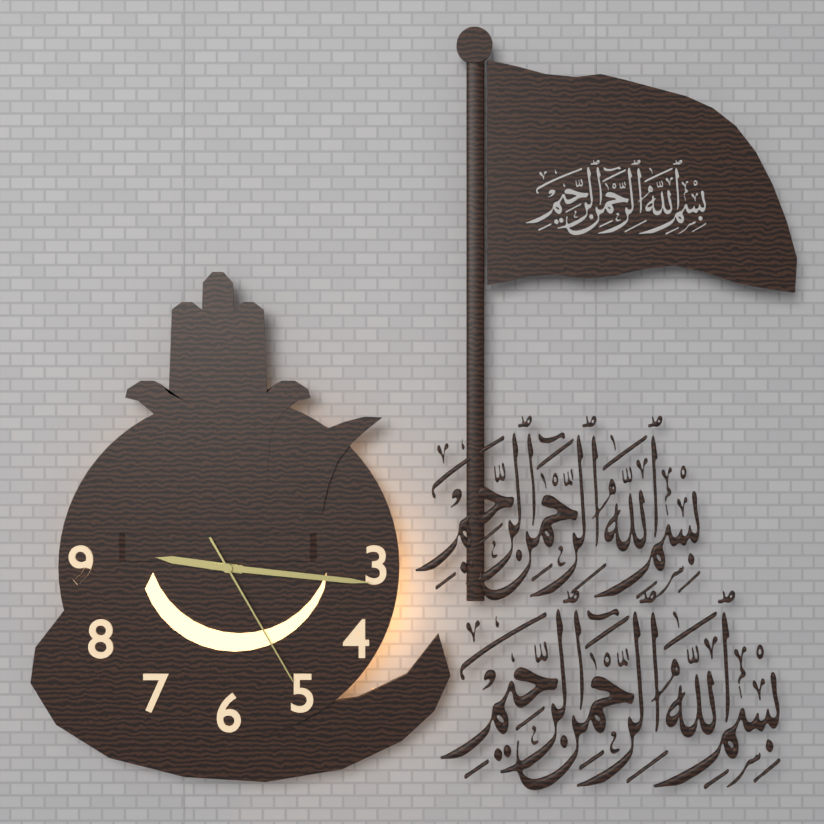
9:16:25
